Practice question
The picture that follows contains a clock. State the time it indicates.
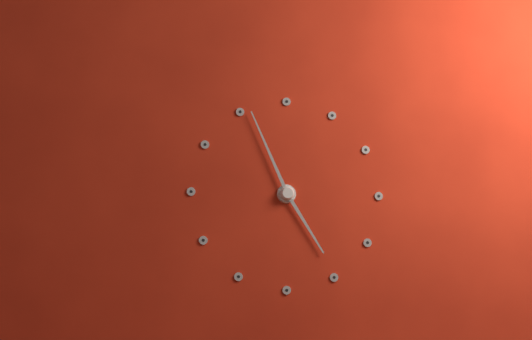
4:56
